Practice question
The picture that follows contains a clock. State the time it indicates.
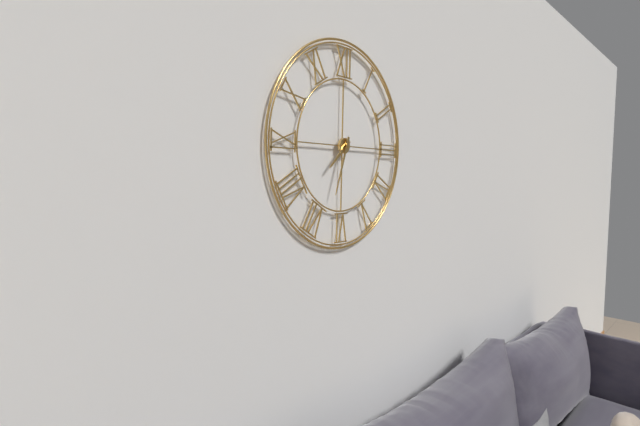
7:33
